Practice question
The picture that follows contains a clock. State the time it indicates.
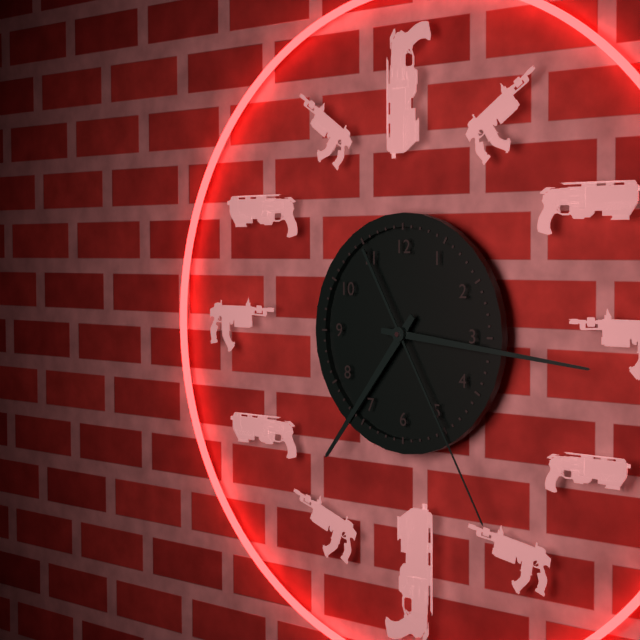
7:16:25
